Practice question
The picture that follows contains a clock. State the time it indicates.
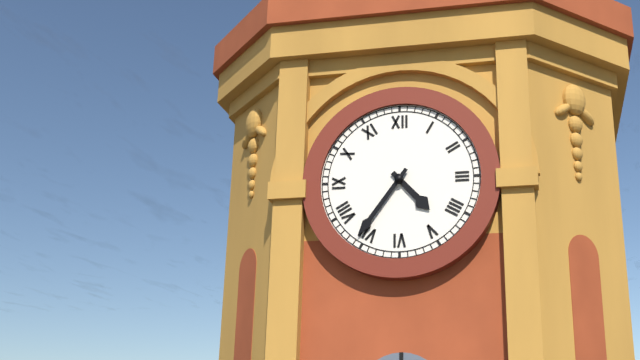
4:36
